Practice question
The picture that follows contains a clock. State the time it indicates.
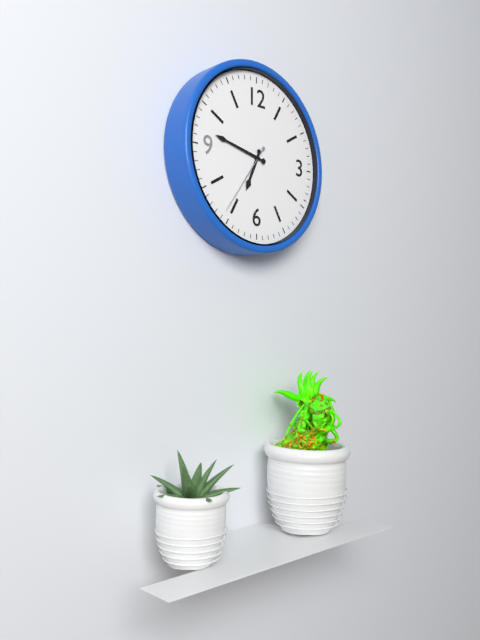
6:47:36
